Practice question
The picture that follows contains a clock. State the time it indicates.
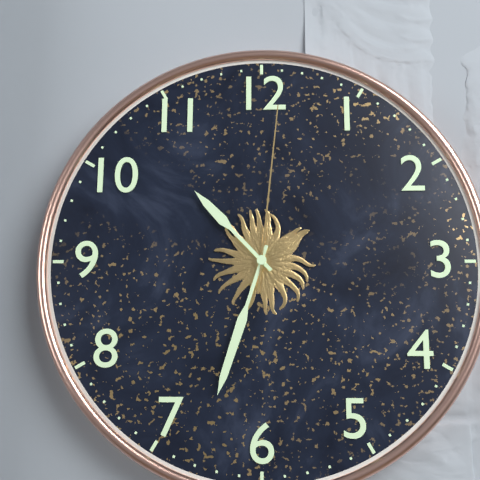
10:33:01
